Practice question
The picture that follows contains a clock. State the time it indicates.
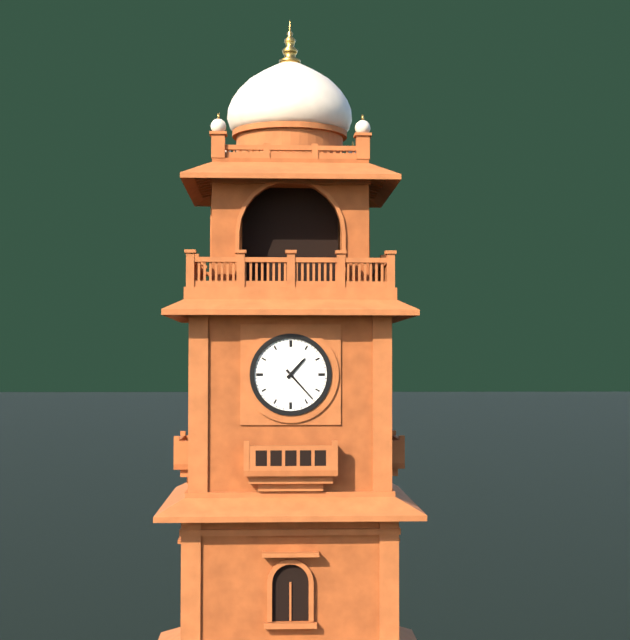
1:23
